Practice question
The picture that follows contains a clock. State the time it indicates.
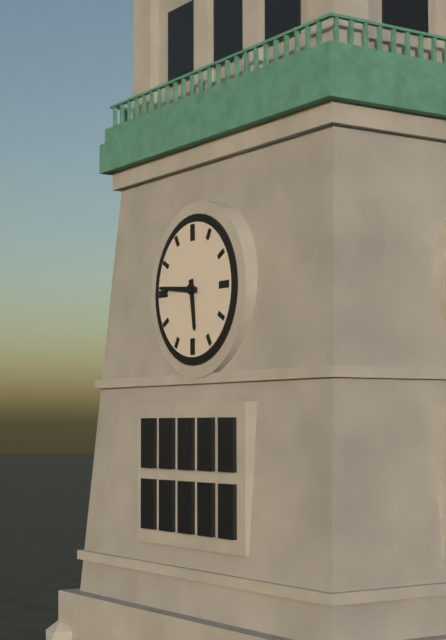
5:46
